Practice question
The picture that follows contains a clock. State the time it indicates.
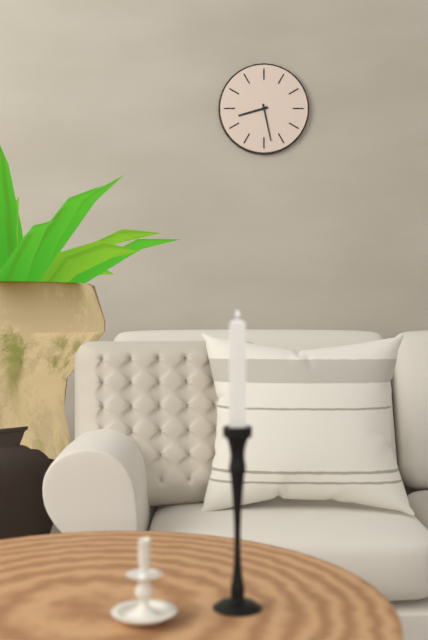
8:28
